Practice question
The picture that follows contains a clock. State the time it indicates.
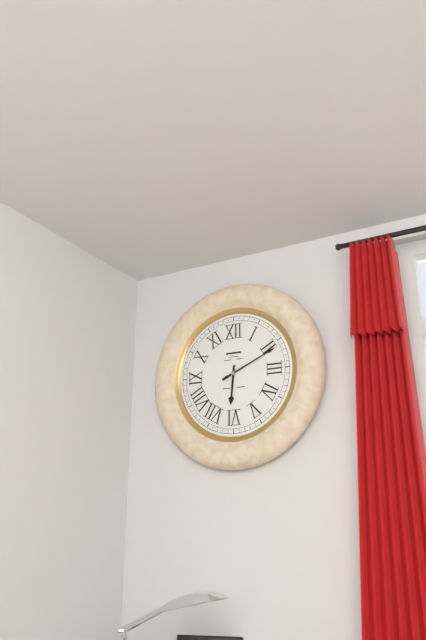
6:11
